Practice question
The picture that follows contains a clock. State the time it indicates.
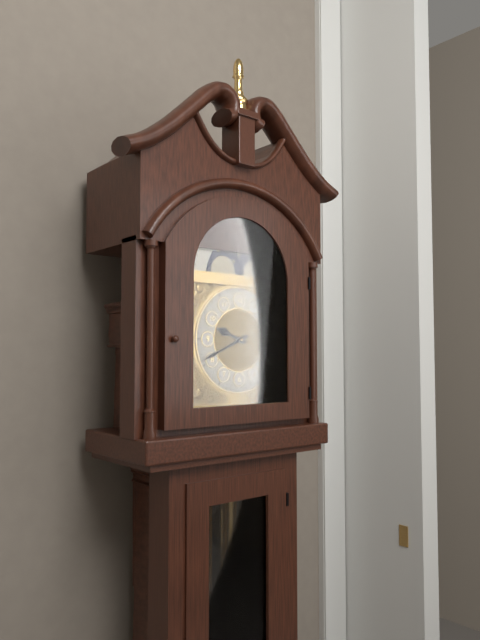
9:41
